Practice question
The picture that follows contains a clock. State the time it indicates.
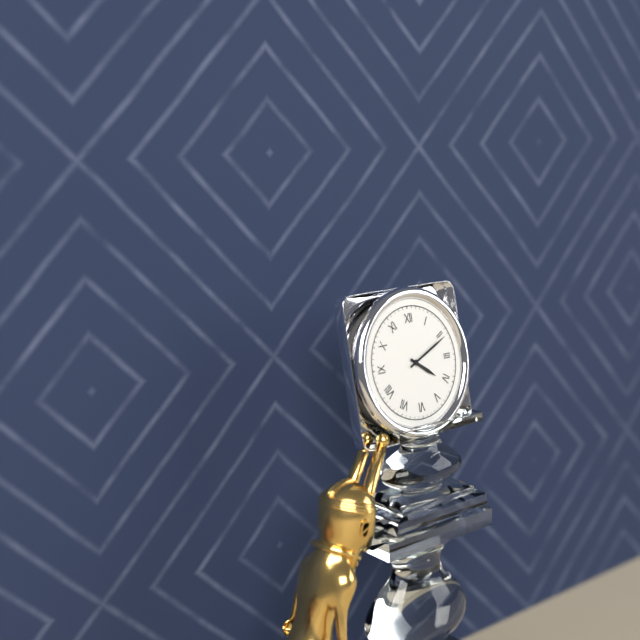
4:11
